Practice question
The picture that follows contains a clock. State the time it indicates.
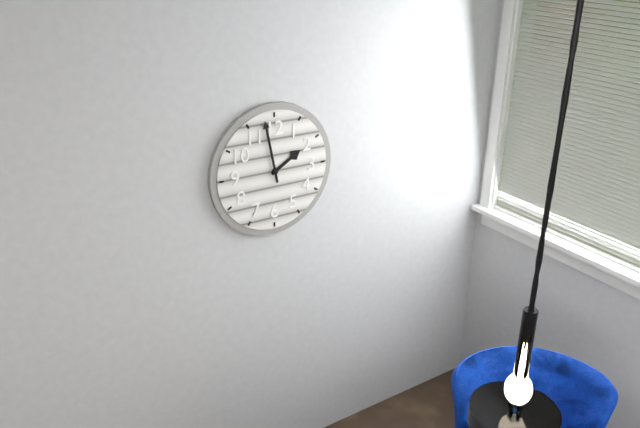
1:58
